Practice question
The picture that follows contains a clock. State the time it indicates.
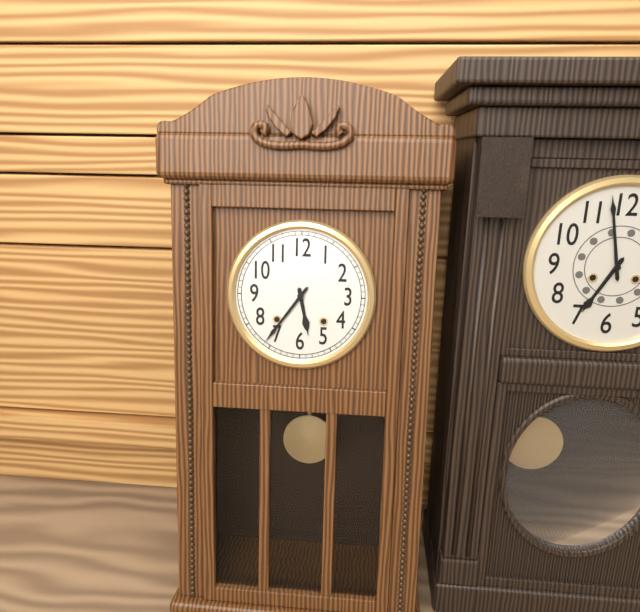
5:36
